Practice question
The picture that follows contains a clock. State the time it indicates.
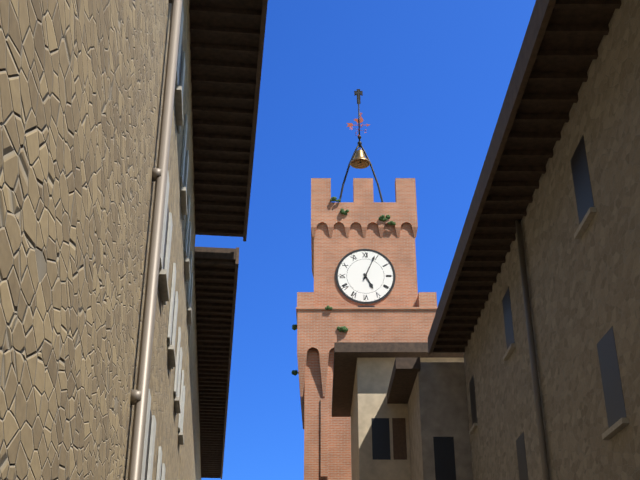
5:04
